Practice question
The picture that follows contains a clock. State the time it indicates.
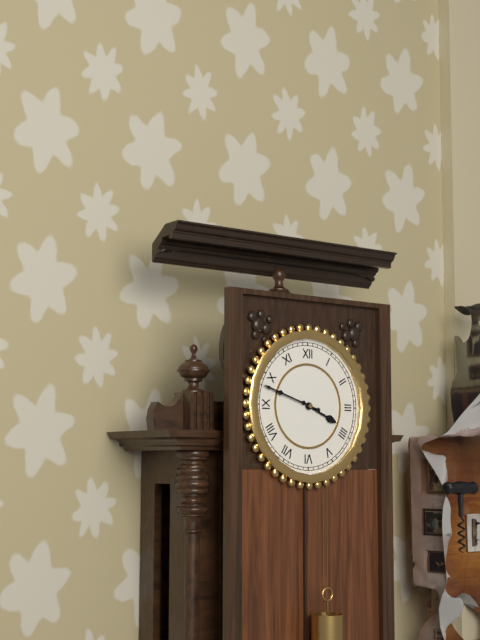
3:48
